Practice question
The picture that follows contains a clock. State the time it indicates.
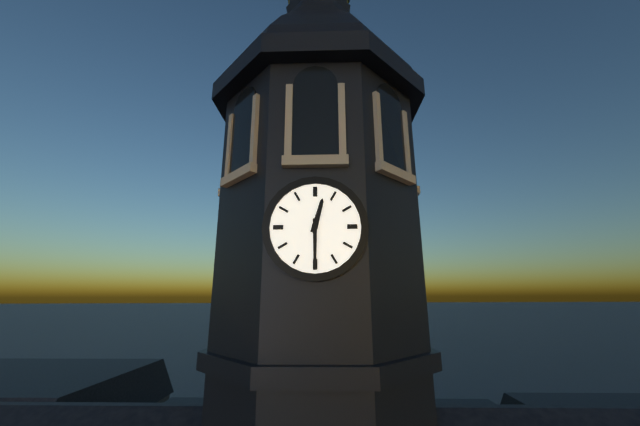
12:30
